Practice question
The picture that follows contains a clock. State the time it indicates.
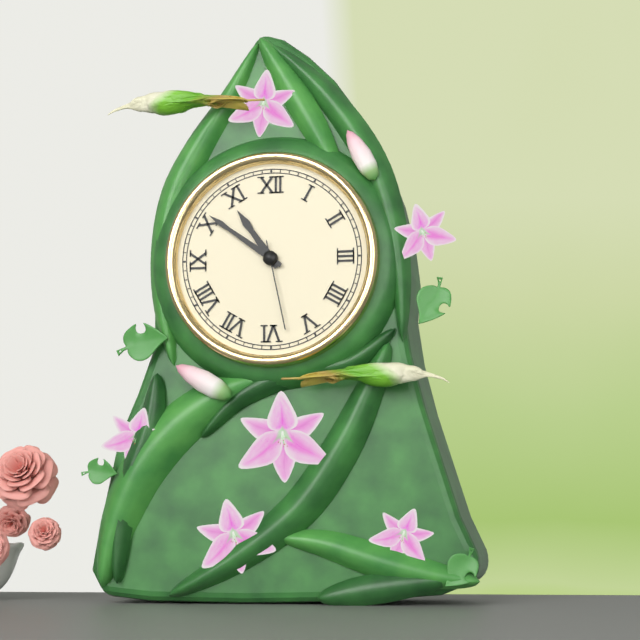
10:51:28
